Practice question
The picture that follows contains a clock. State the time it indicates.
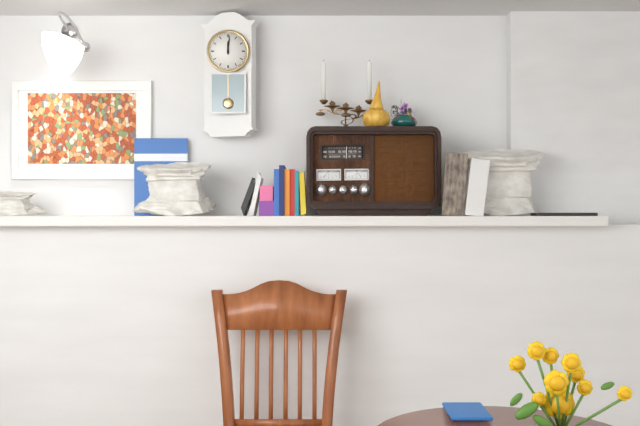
12:01
